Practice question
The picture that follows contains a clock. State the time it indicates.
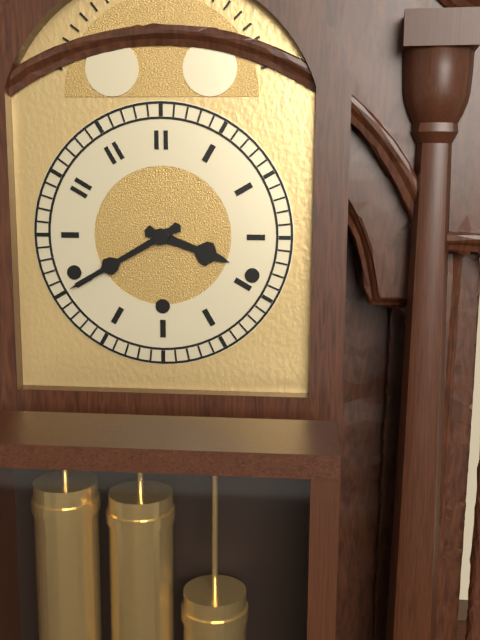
3:40
